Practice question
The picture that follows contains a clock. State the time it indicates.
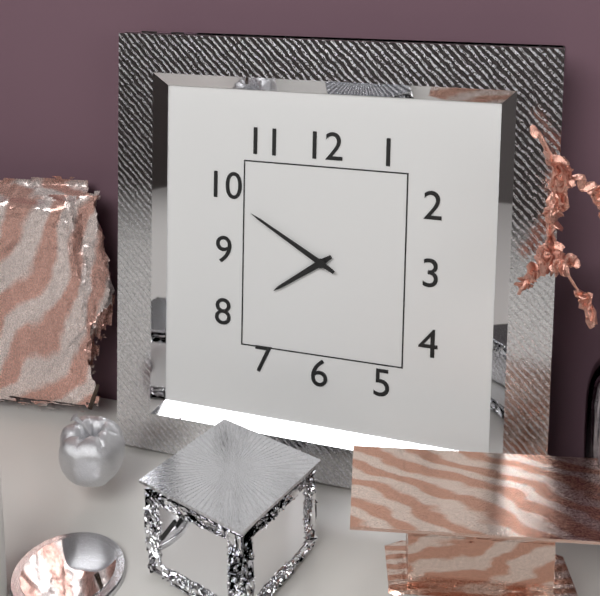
7:50
